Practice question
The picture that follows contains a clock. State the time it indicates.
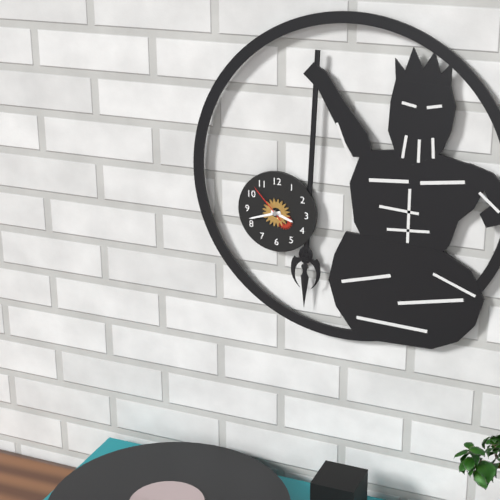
3:42
